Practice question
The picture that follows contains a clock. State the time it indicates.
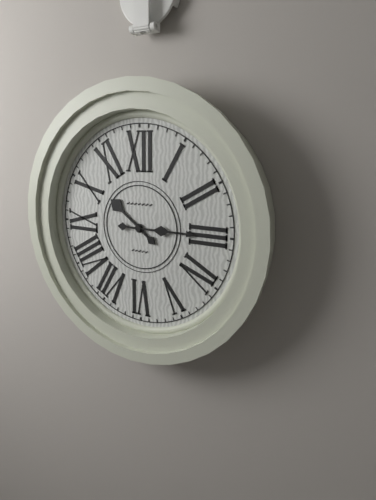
10:15
